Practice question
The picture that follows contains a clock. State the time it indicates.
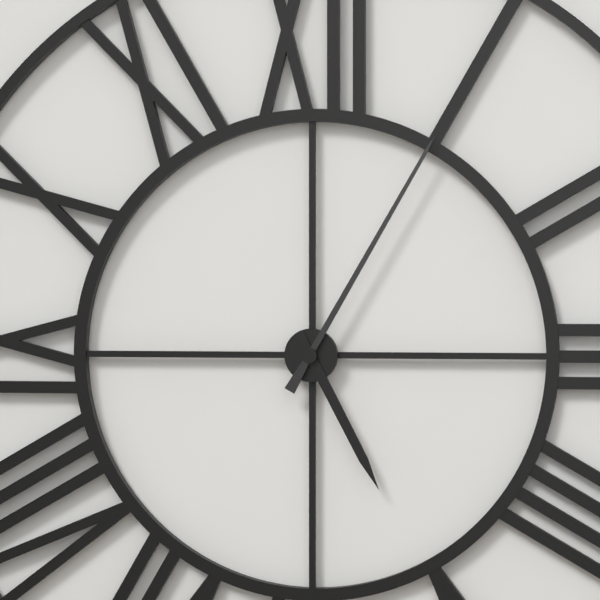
5:05
